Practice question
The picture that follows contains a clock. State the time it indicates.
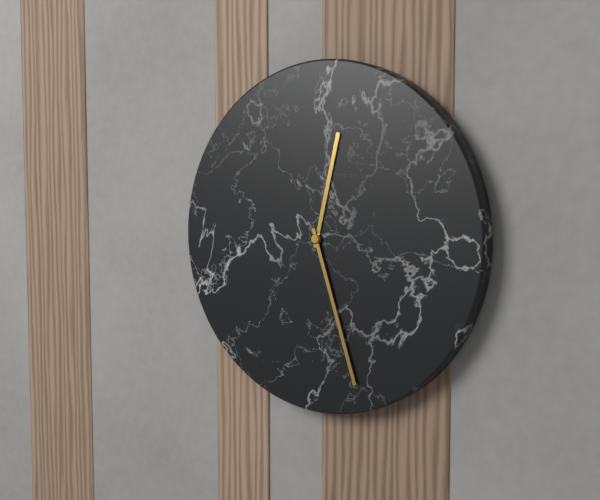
12:27
